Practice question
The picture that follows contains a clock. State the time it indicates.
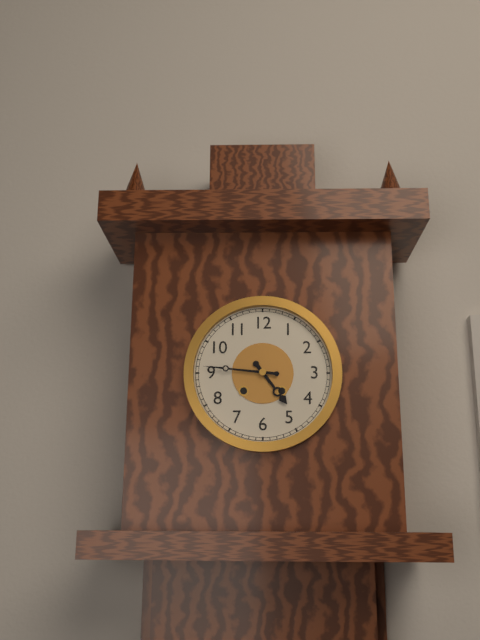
4:46
